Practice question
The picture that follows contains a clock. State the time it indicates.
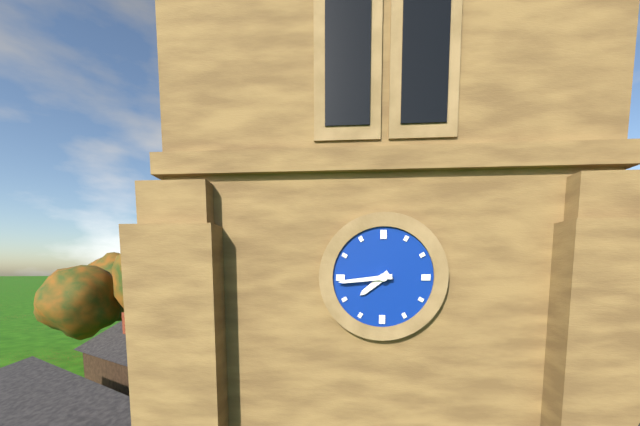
7:44
